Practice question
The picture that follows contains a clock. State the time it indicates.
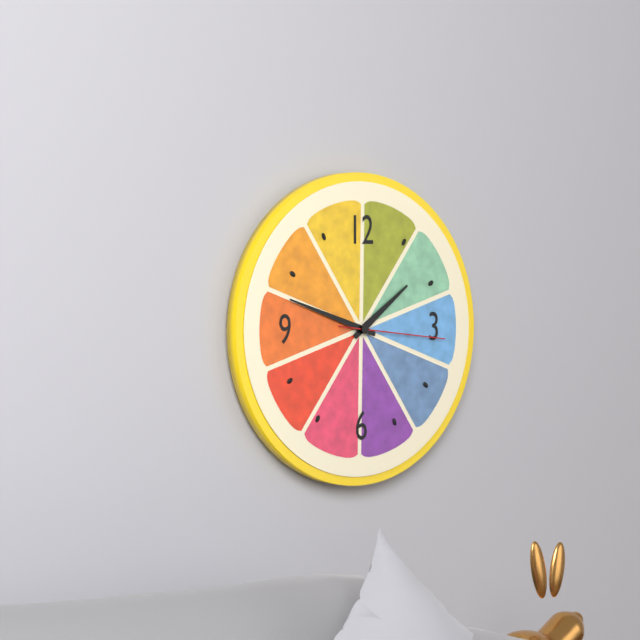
1:48:16
